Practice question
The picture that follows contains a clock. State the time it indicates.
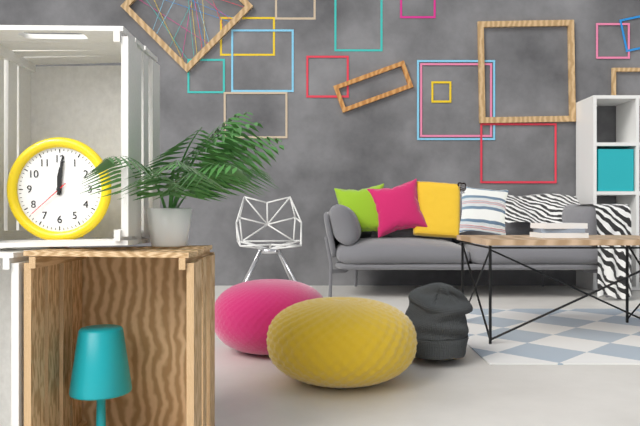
12:01
